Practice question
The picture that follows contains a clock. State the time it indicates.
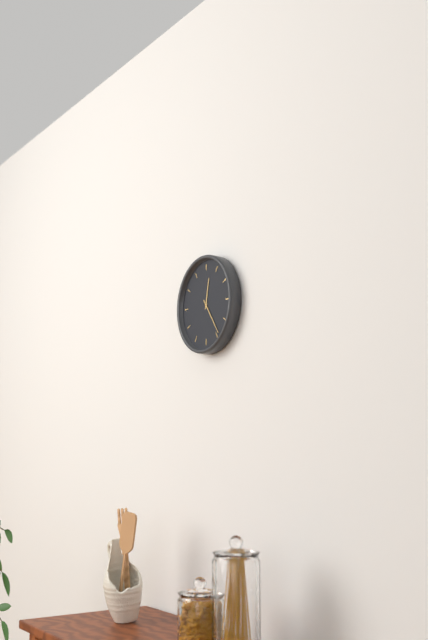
12:24
